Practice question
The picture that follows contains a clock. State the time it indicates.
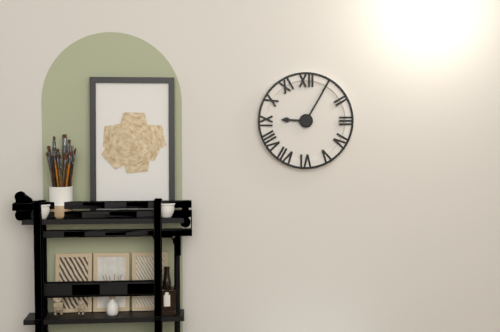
9:05
